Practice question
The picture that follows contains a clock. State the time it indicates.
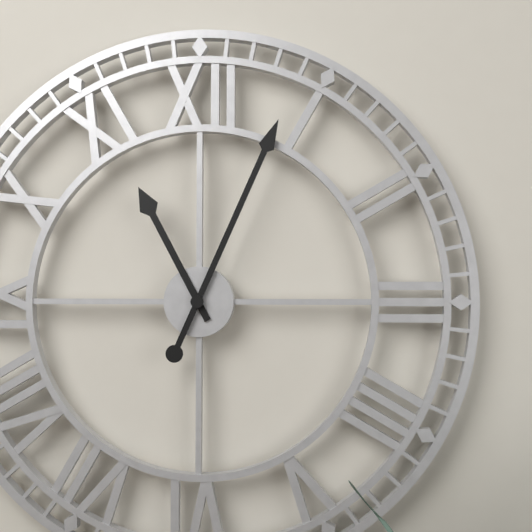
11:04
